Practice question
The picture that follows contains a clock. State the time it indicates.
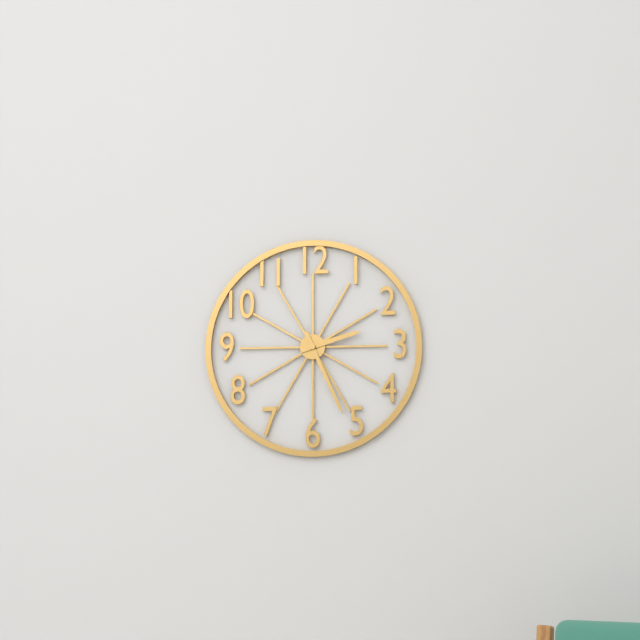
2:26
